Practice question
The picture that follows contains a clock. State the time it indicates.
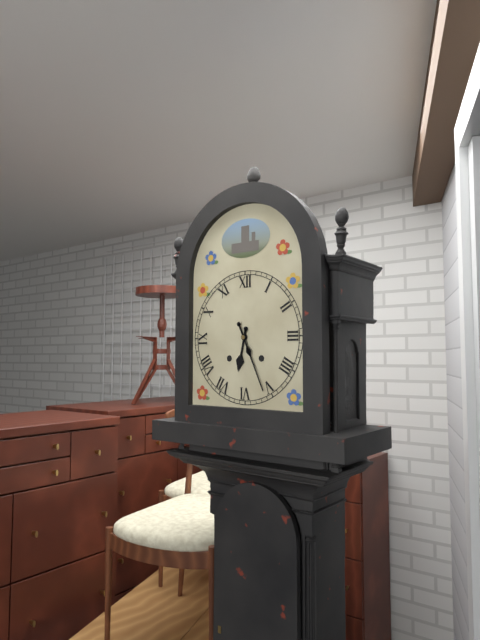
6:26
